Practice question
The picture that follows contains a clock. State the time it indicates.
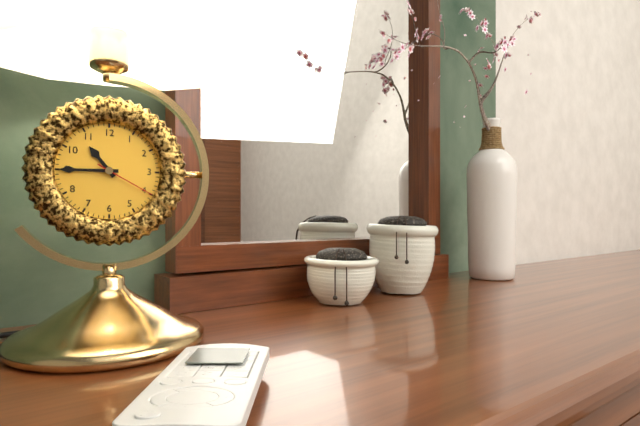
10:45:20
